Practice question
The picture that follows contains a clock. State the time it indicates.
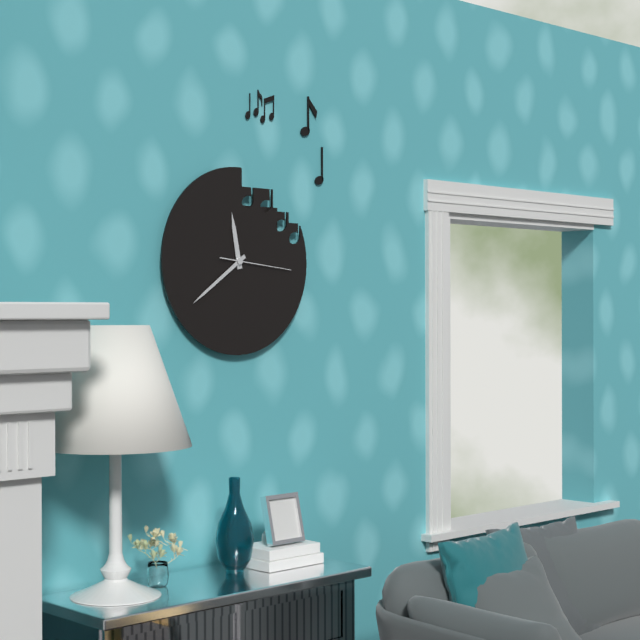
11:39:16
